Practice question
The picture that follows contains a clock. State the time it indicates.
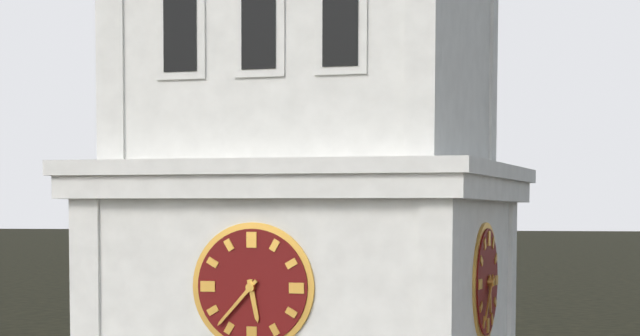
5:37
